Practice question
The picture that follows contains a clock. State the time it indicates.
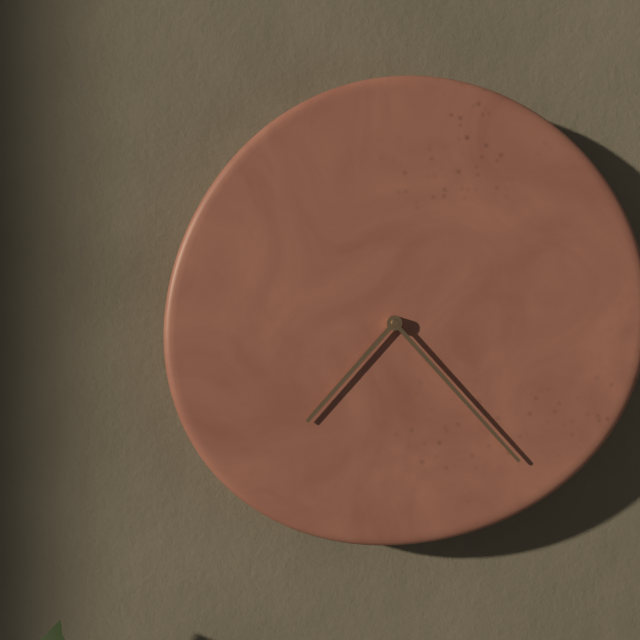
7:23
